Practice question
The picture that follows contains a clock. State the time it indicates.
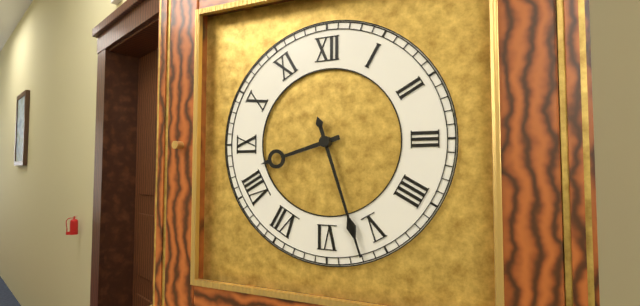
8:27
